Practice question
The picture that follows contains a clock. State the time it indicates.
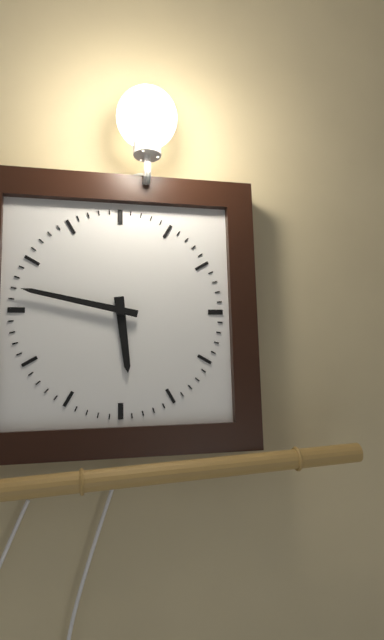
5:47
